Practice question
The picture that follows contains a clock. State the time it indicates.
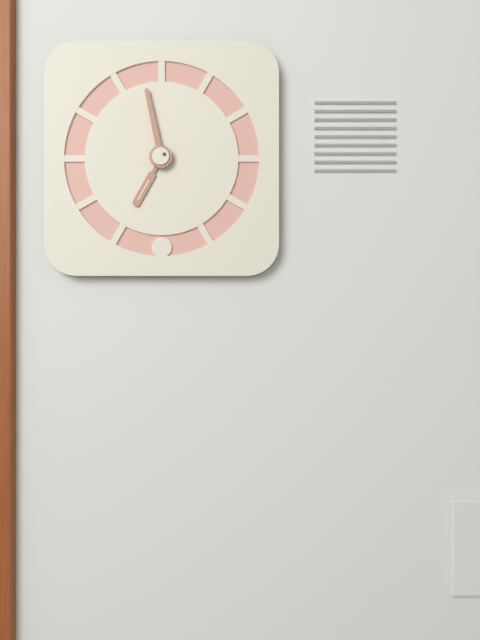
6:58
